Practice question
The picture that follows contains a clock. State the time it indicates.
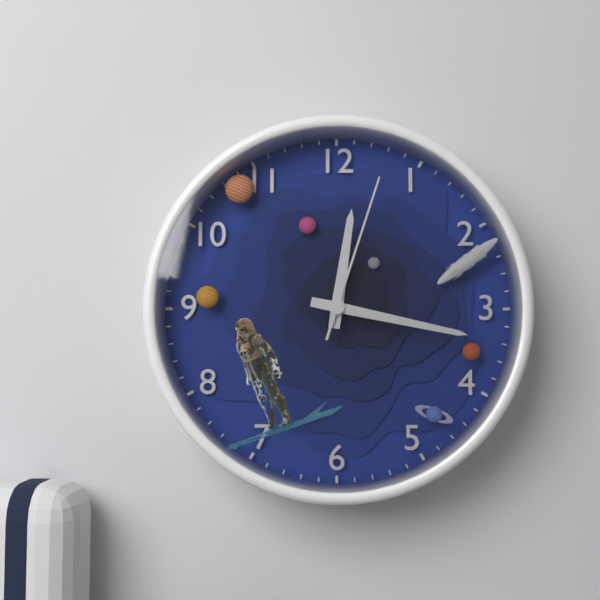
12:17:03
